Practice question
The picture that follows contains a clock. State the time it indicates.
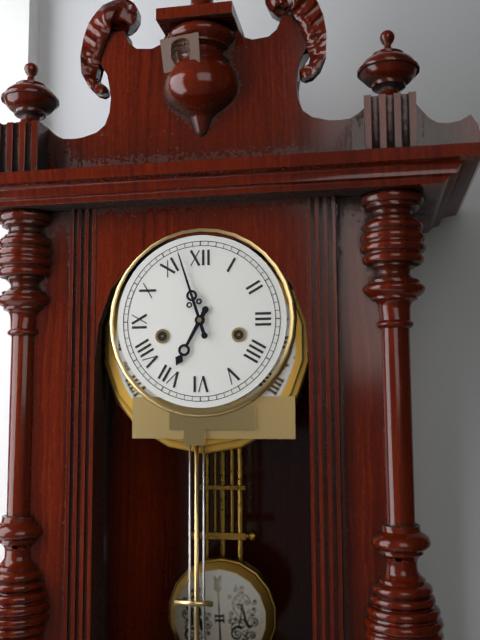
6:57
